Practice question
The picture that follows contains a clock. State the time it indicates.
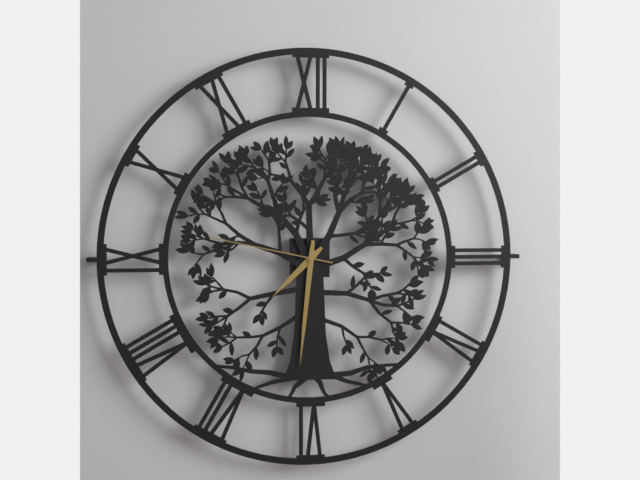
7:31:47
